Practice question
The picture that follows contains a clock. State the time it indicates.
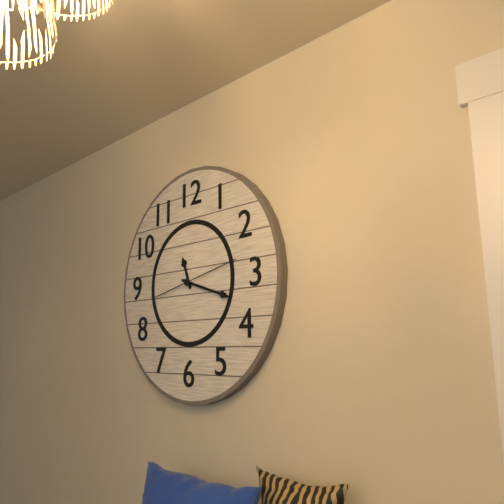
11:18:13
